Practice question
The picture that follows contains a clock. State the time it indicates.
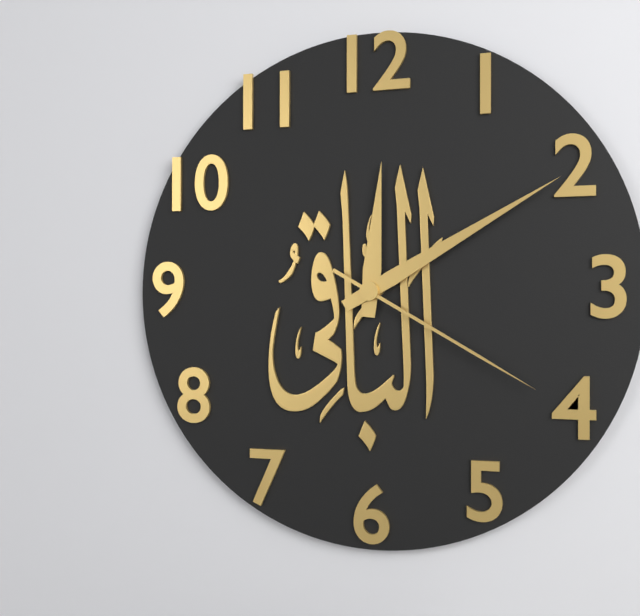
12:10:20
